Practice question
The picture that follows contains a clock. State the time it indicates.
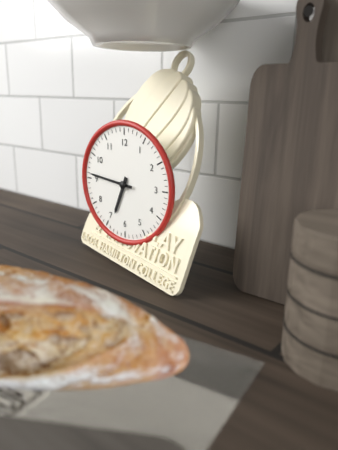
6:46
